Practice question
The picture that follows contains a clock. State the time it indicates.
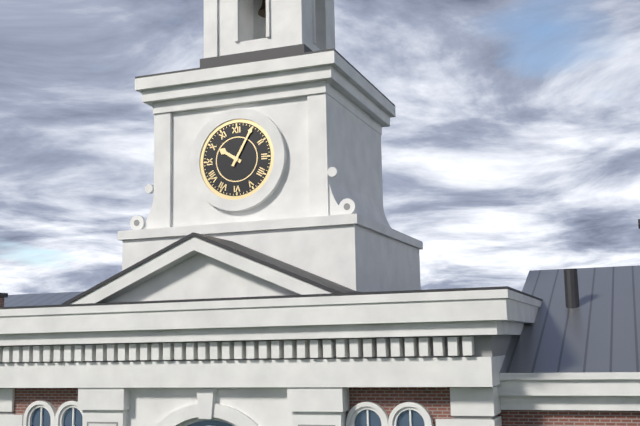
10:05
